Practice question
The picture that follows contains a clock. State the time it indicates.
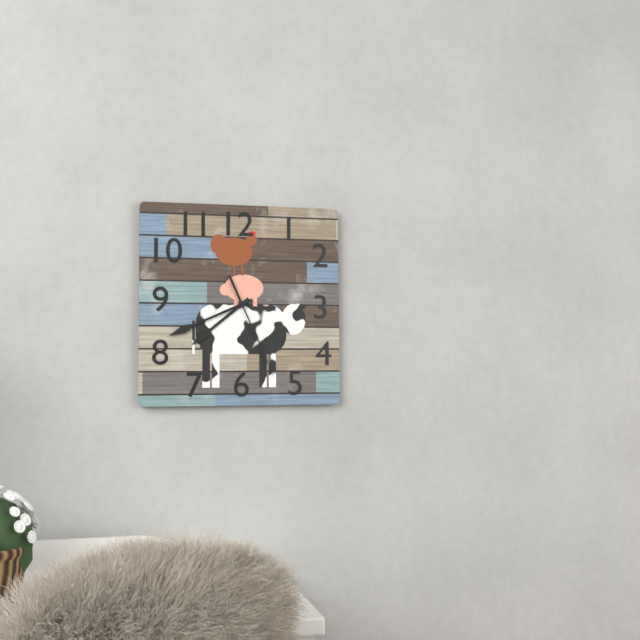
7:41:26
